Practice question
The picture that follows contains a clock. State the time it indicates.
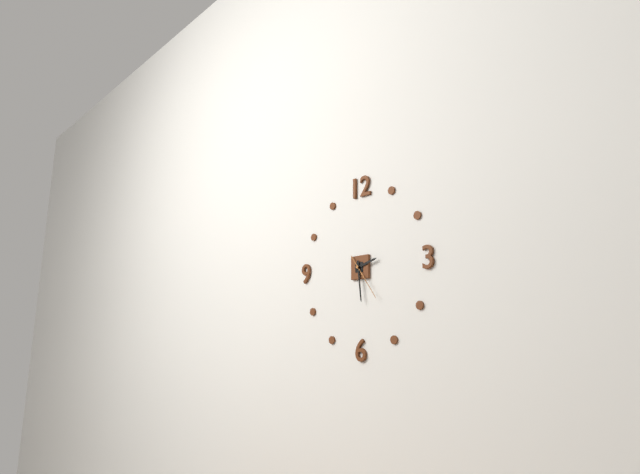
2:29
